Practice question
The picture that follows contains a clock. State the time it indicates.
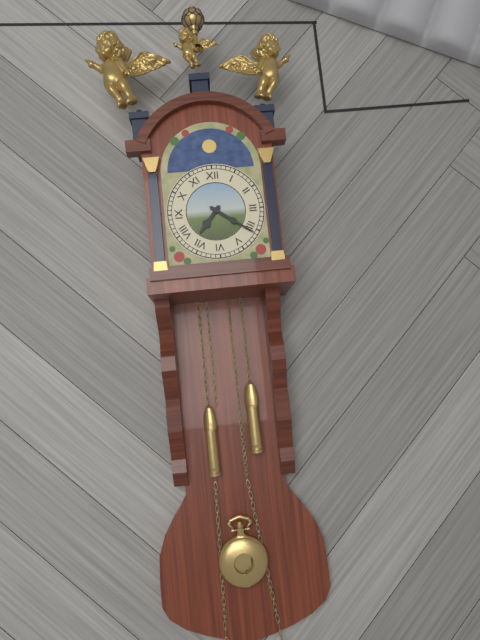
7:21
